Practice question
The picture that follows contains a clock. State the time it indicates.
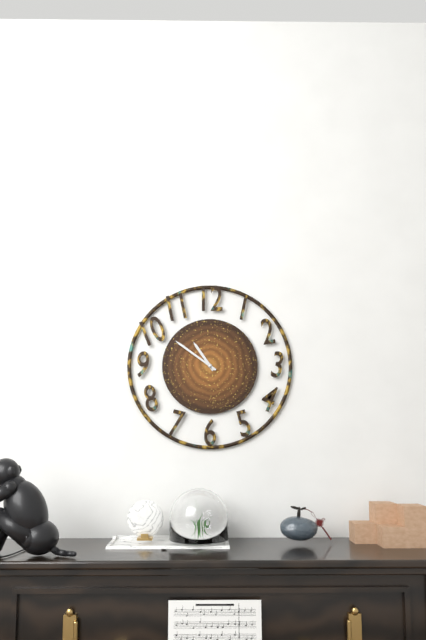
10:51
